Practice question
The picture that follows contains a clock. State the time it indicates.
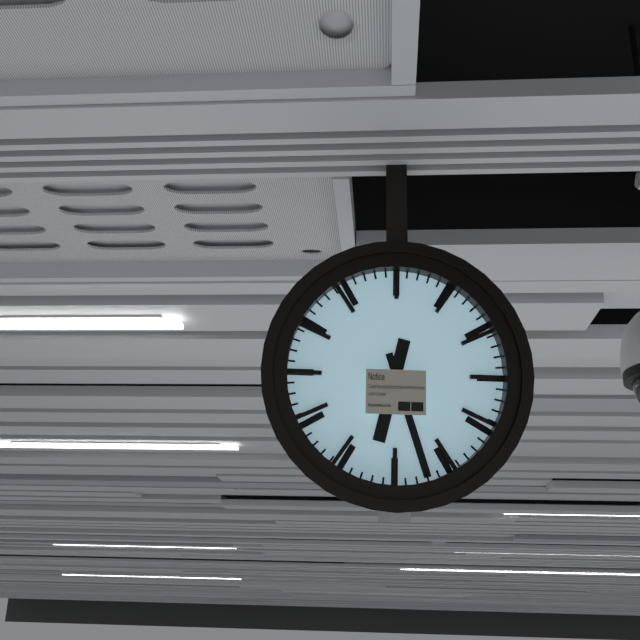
6:27
